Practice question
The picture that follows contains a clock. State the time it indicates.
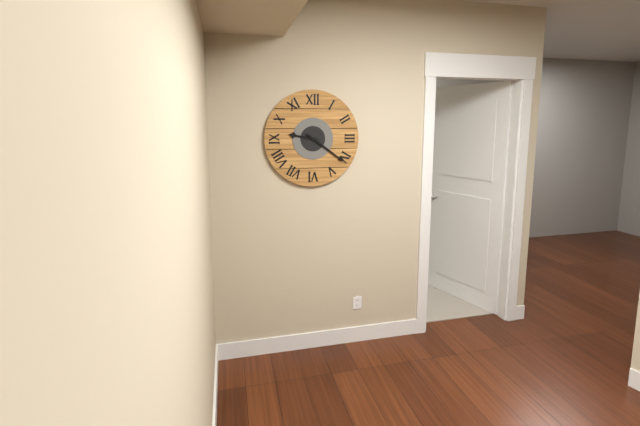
9:21
